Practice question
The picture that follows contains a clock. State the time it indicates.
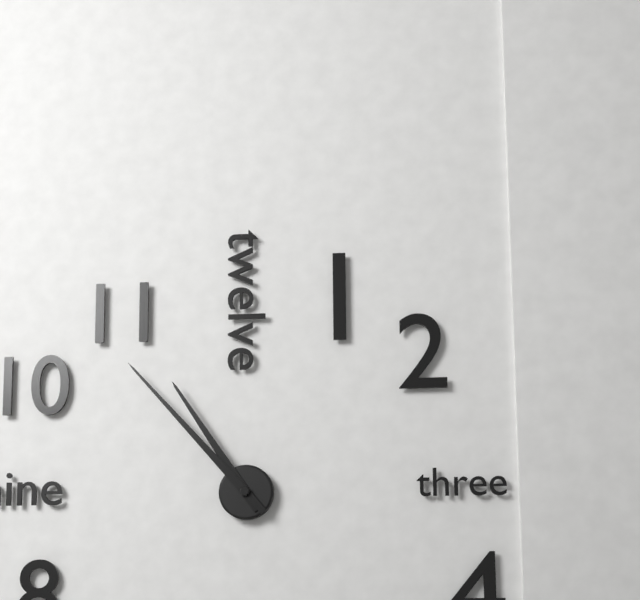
10:53
